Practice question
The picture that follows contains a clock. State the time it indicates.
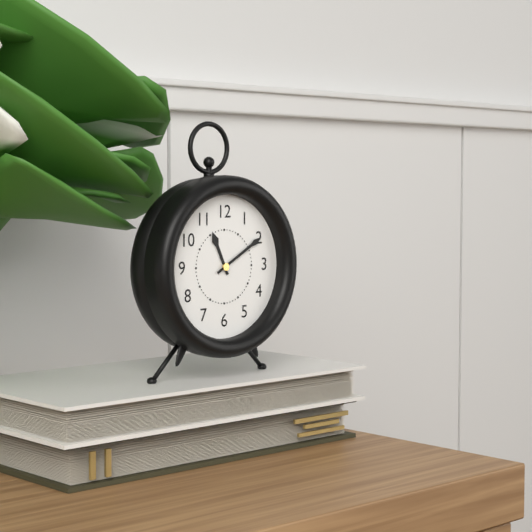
11:10
